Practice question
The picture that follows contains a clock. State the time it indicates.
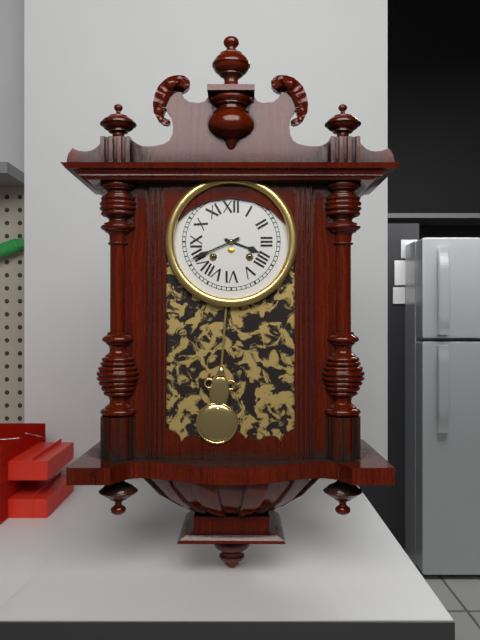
3:41
